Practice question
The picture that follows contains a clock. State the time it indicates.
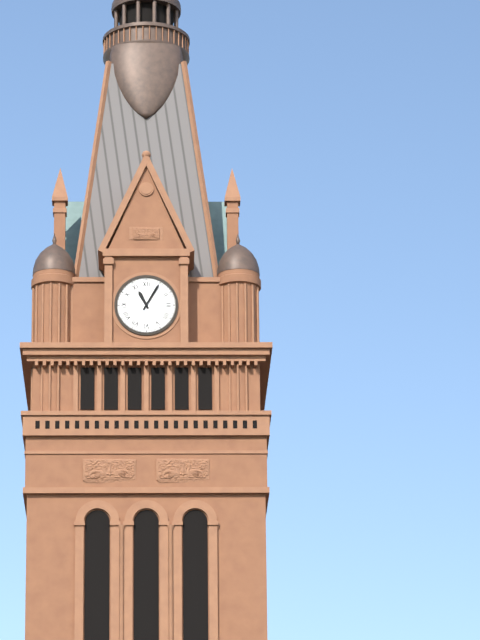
11:05
